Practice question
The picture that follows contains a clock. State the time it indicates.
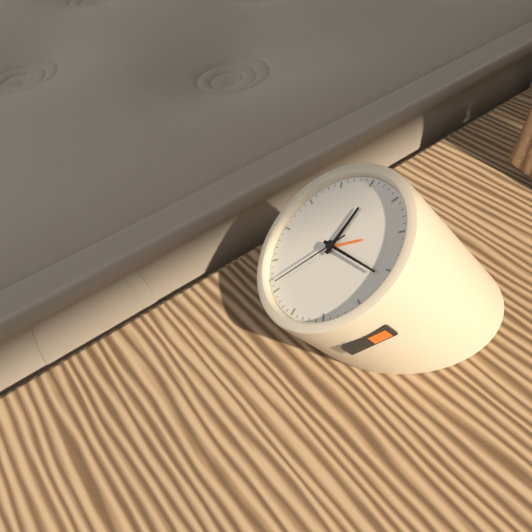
11:11:31
